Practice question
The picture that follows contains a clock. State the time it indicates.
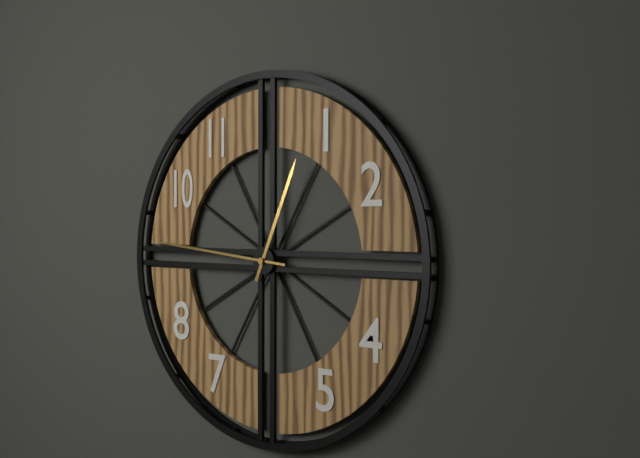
12:46
